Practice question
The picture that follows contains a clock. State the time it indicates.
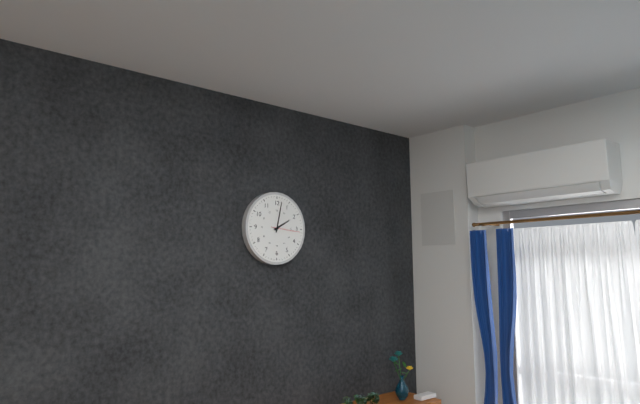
2:02
